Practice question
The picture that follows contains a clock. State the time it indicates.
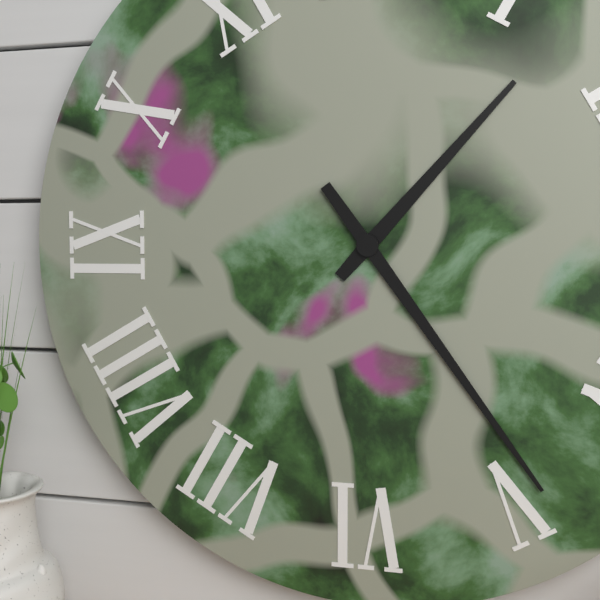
1:24
